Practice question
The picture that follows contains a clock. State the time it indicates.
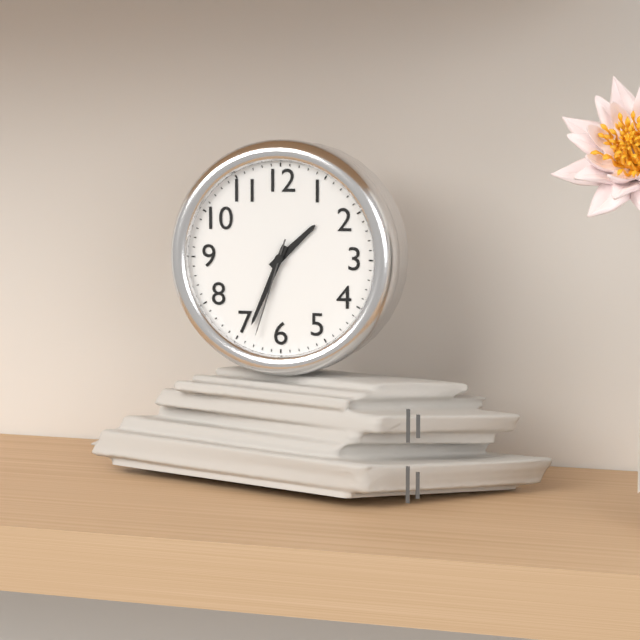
1:34:33
